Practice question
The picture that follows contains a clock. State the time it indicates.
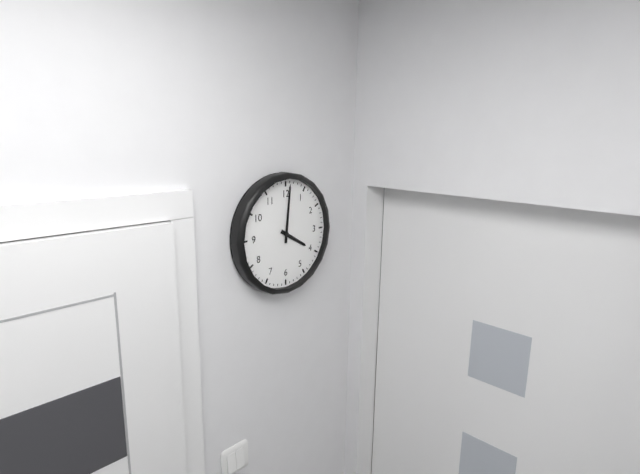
4:01
